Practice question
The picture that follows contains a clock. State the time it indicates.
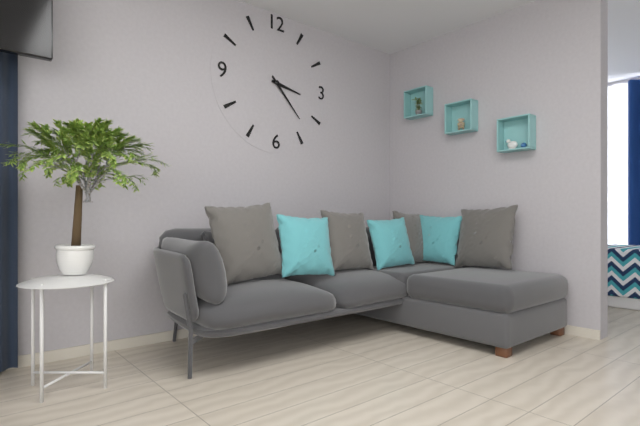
3:23
